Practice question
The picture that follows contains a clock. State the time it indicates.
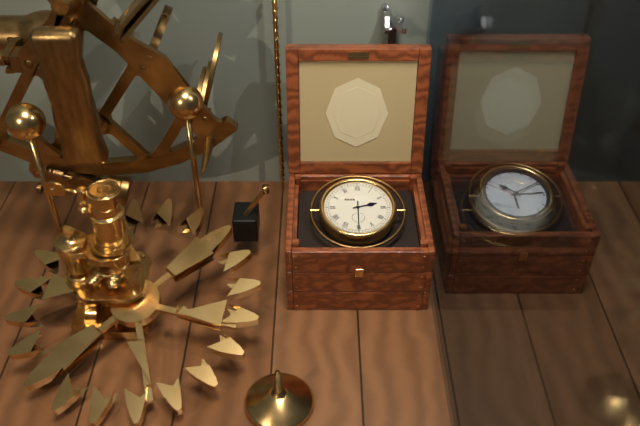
2:30
